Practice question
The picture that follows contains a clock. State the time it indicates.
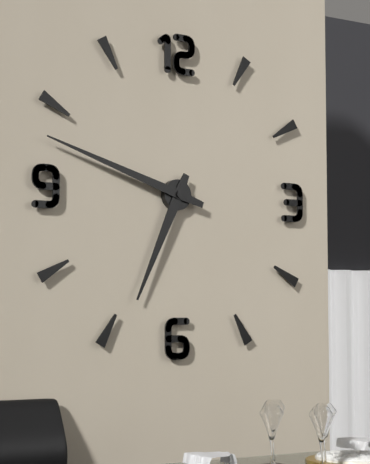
6:48
